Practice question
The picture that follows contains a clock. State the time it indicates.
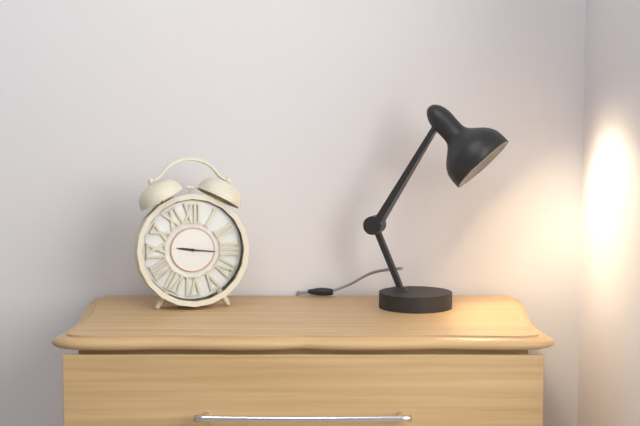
9:16
